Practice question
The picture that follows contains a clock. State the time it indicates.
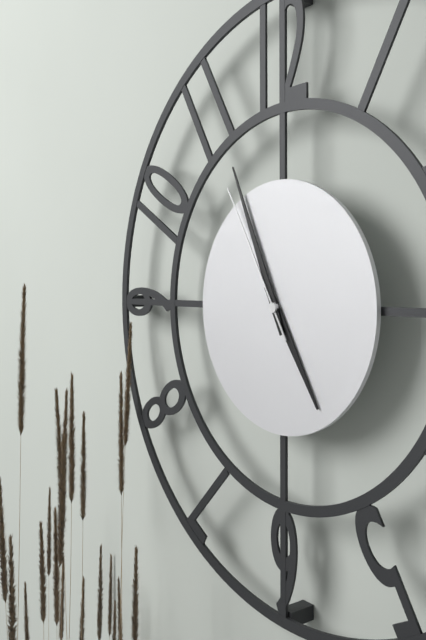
4:56:55
